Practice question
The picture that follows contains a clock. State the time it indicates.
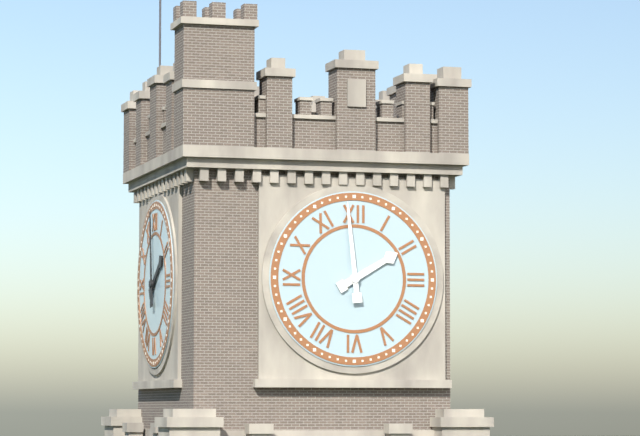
1:59
